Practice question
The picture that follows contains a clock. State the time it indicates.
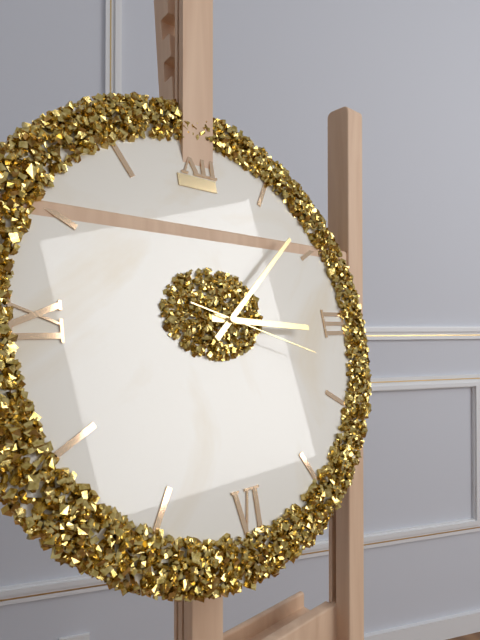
3:08:18
